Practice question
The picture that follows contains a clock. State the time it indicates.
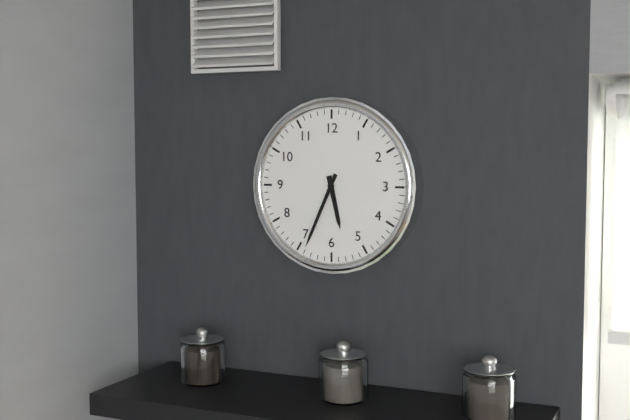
5:34
